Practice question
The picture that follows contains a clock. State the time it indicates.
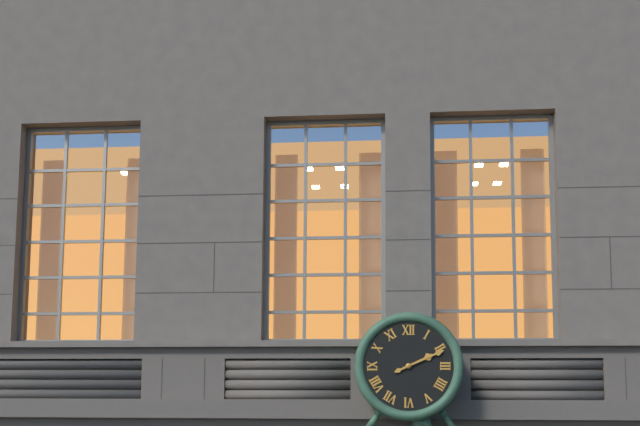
2:11
